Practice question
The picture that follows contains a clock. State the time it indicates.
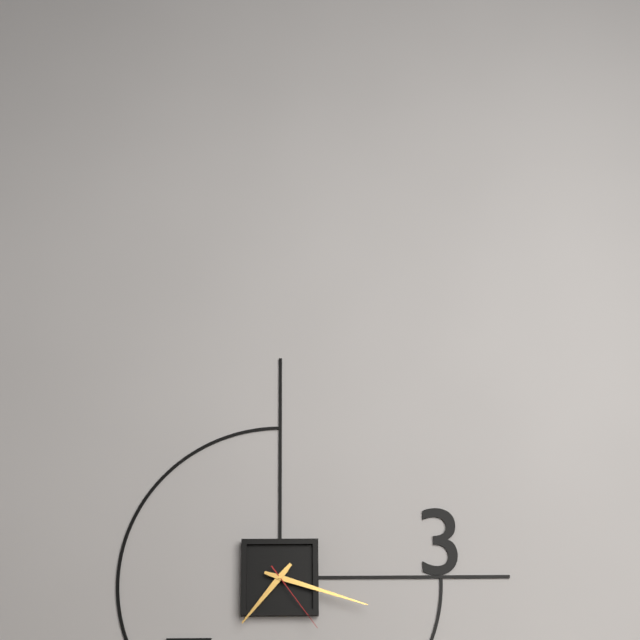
7:18:24
